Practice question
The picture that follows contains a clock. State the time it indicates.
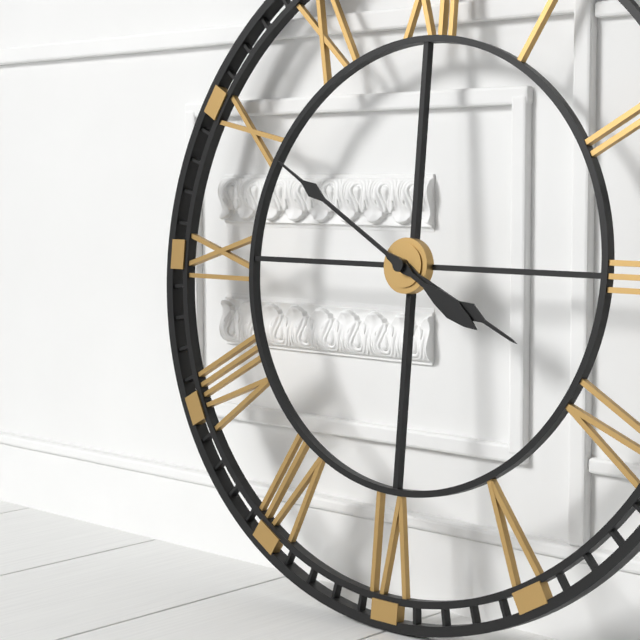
3:50
